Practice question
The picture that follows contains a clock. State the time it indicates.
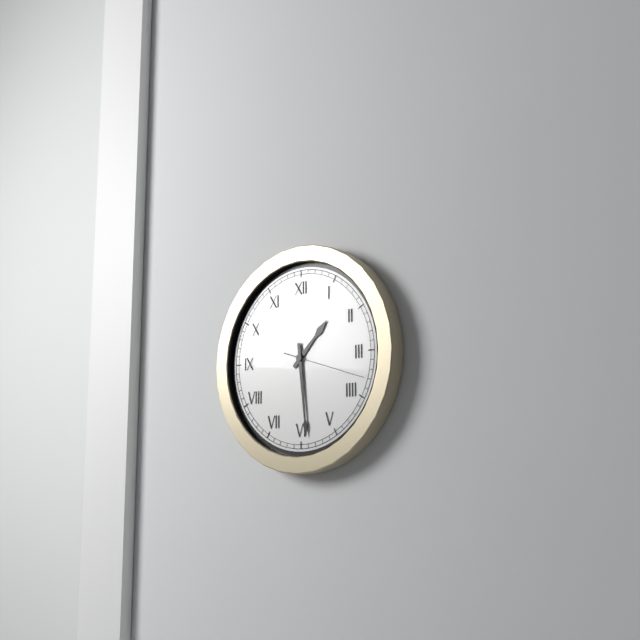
1:29:18
